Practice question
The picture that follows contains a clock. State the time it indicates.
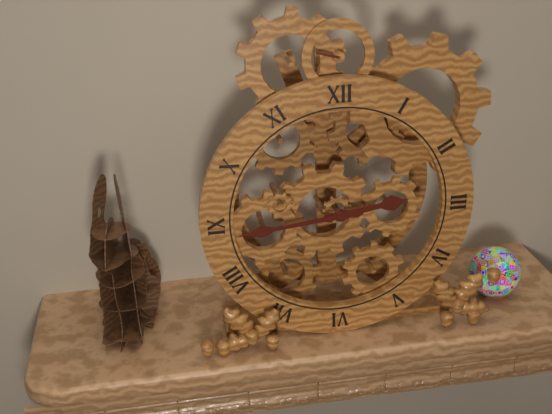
2:44
